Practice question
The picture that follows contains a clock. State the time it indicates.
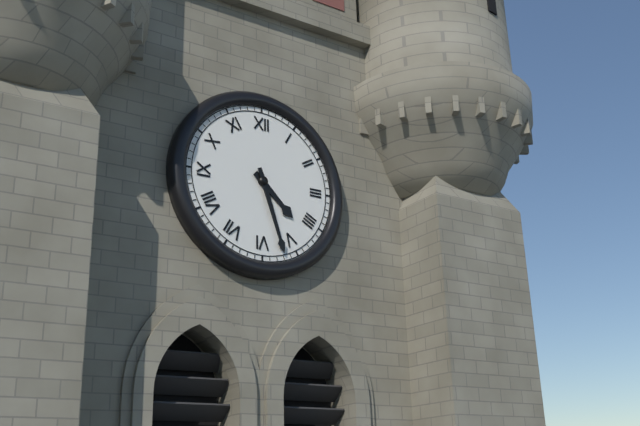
4:27
